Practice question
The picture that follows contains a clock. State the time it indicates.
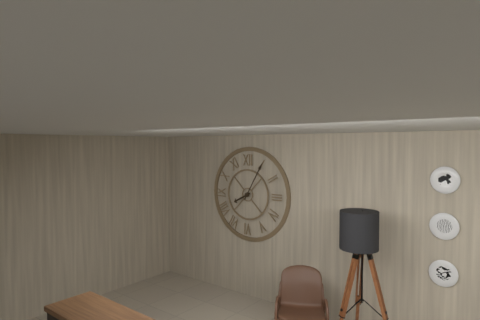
8:05
